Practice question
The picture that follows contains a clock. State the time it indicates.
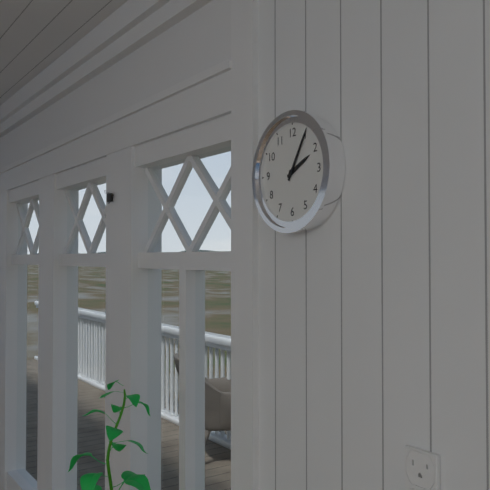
2:05
